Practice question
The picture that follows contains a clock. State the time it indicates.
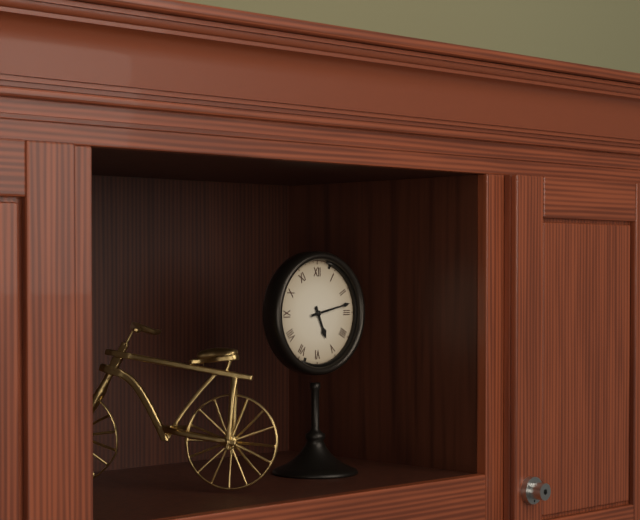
5:13
